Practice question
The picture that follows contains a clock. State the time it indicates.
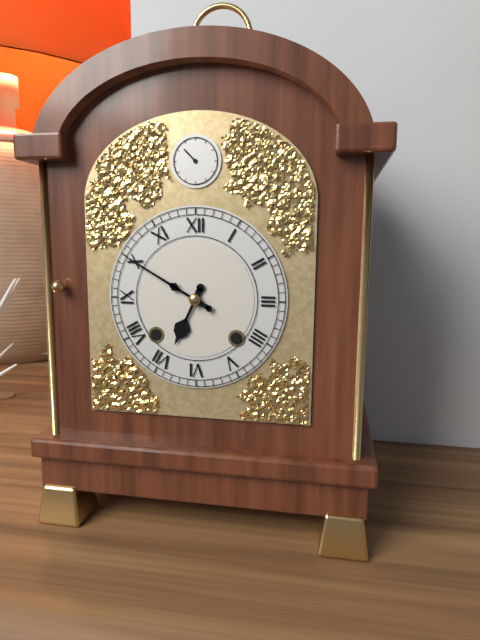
6:50
